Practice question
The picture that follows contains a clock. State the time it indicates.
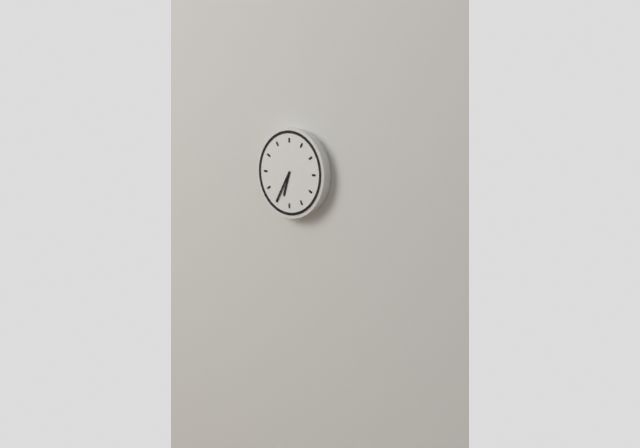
6:35
